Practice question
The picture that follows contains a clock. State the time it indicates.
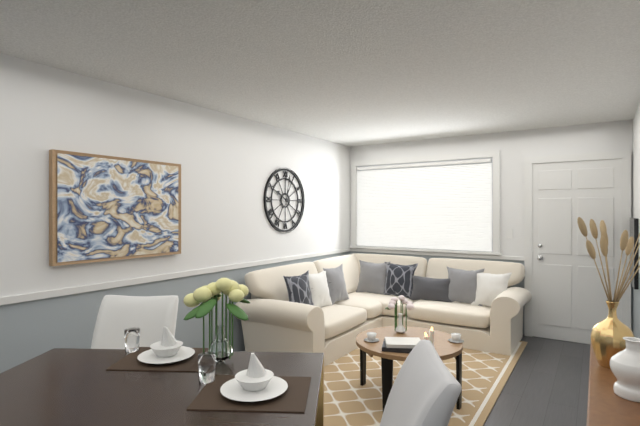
10:02
